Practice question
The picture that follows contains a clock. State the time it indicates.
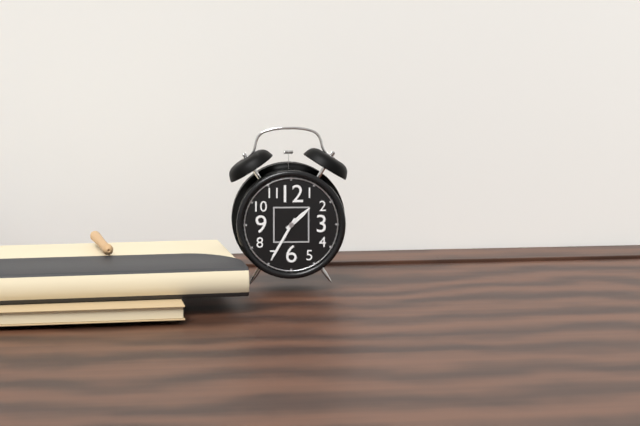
1:35
